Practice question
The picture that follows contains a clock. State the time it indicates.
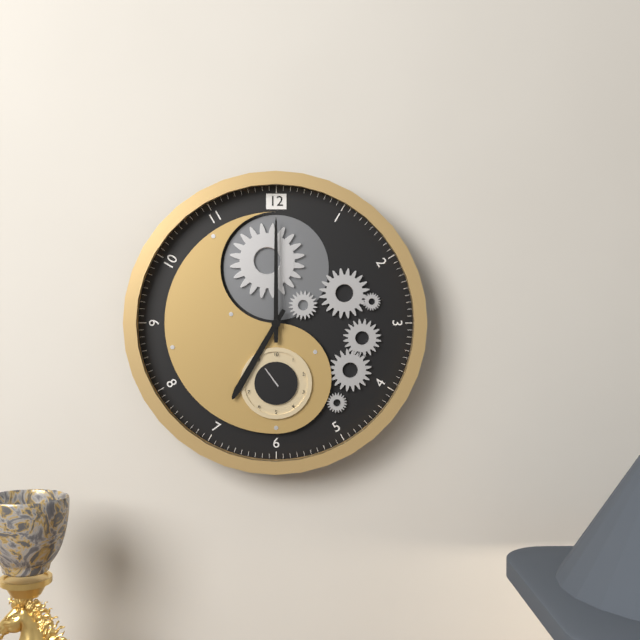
7:00
